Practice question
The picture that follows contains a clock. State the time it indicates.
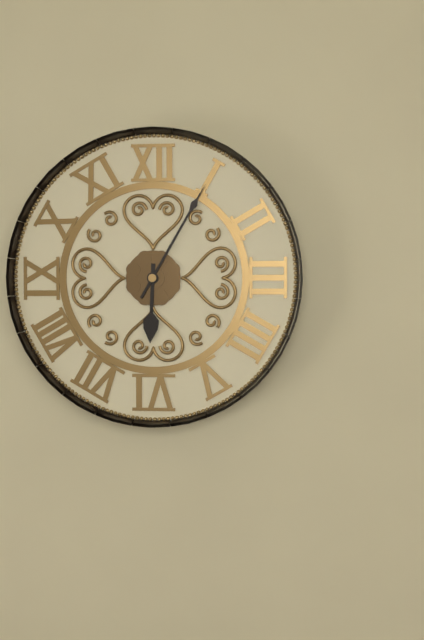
6:05
